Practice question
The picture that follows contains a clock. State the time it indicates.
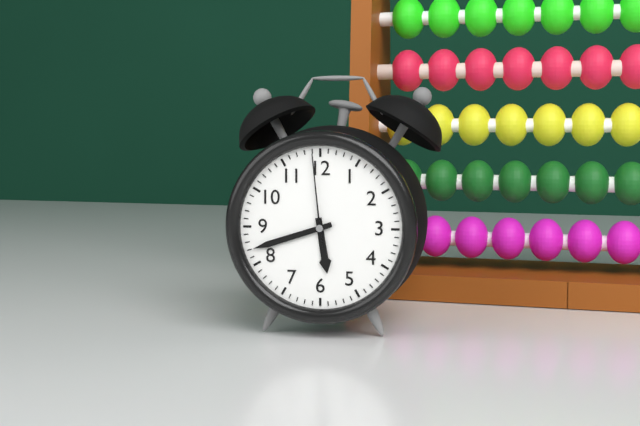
5:42:59
